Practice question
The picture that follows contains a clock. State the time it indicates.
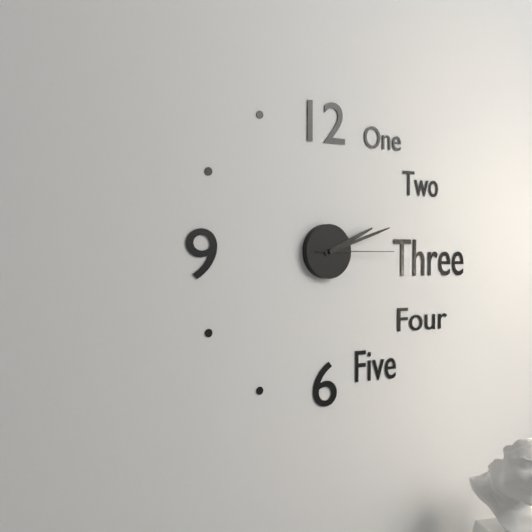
2:12:15
